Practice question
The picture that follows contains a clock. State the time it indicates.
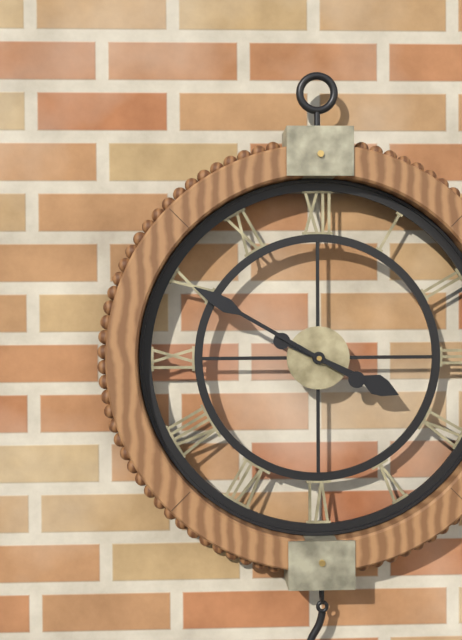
3:50
